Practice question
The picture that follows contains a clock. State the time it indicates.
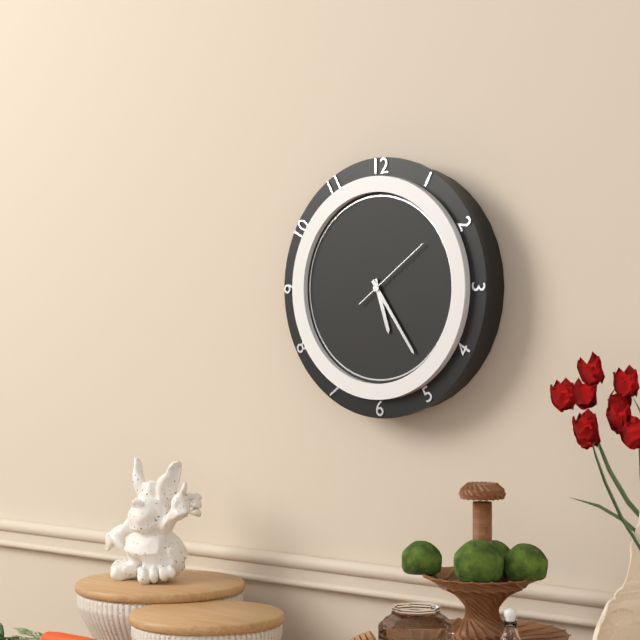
5:24:09
